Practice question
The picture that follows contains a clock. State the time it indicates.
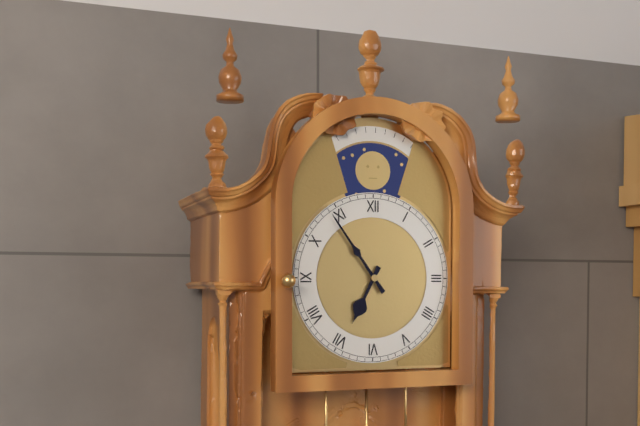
6:54
